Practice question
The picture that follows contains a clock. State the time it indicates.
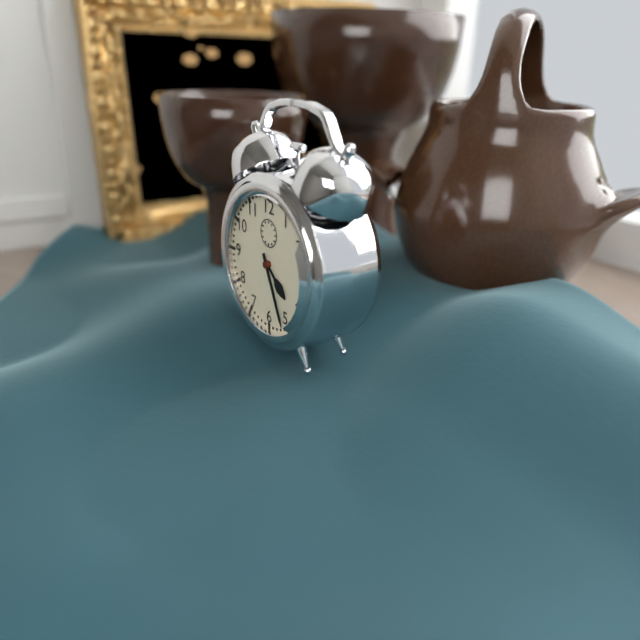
4:26
